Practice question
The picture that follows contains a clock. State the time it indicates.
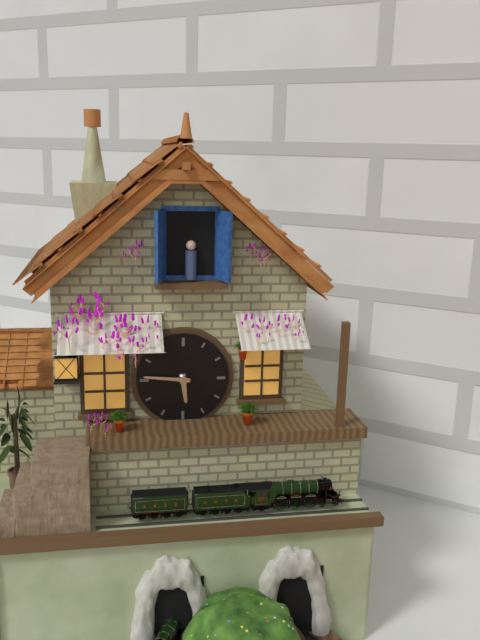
5:46
